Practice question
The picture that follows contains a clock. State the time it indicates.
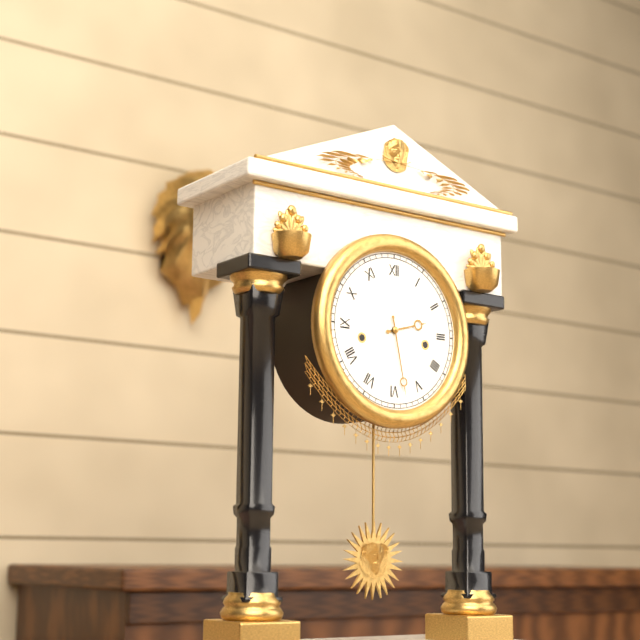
2:28
